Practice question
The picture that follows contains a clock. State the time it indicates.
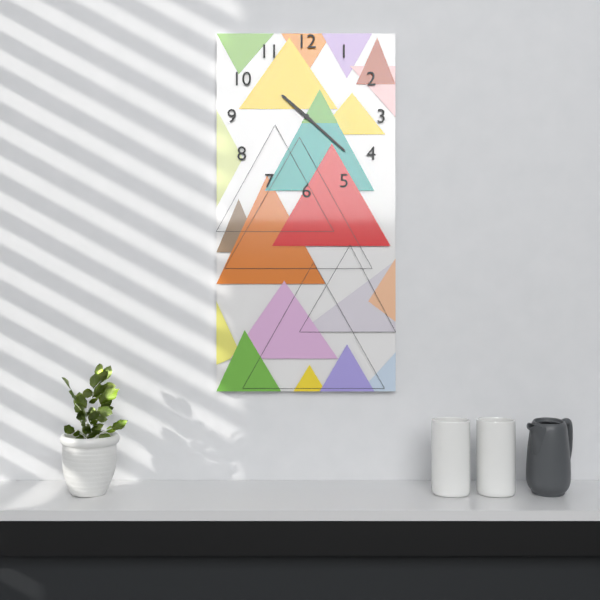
10:22
